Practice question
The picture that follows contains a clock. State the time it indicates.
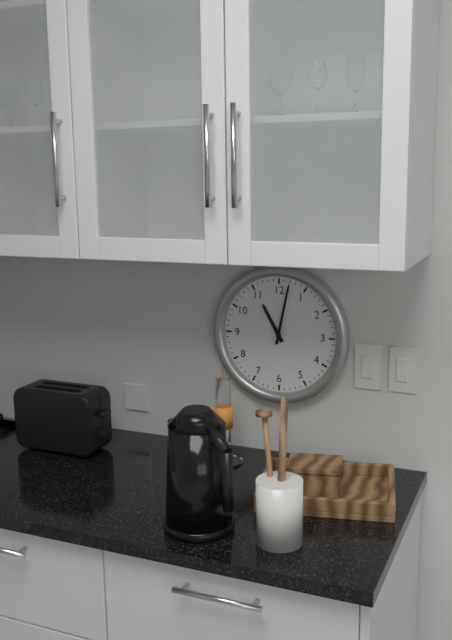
11:02
